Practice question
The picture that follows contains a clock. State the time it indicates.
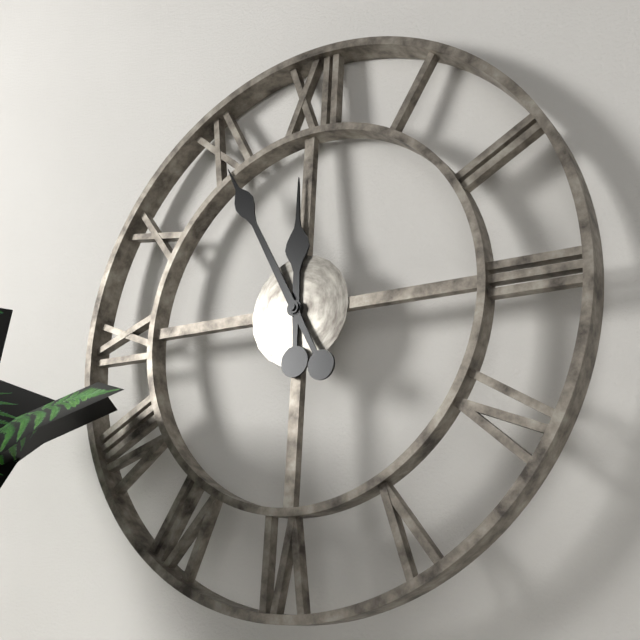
11:55
